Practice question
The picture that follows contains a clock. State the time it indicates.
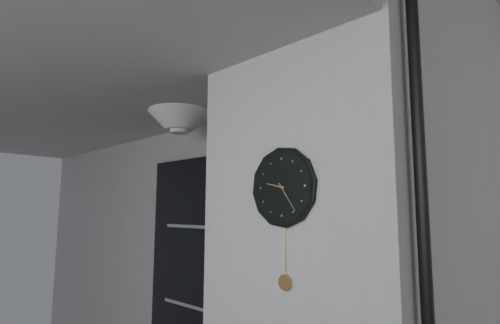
9:24
